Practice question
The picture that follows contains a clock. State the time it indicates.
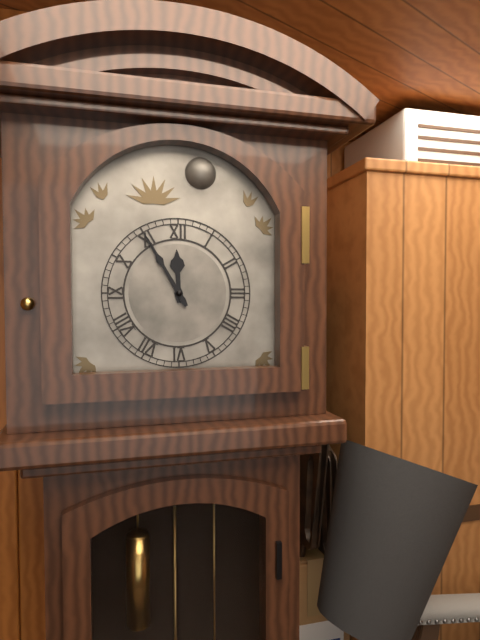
11:55
